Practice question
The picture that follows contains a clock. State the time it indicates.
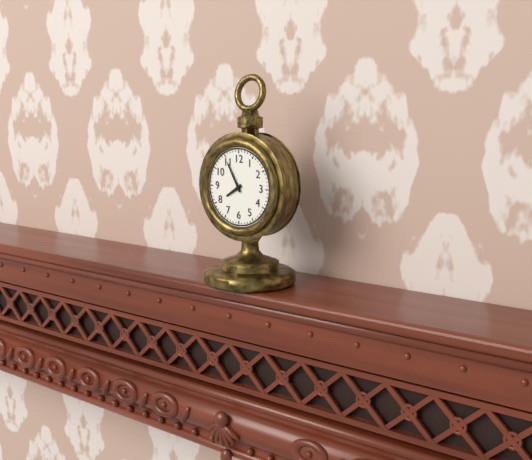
7:55
